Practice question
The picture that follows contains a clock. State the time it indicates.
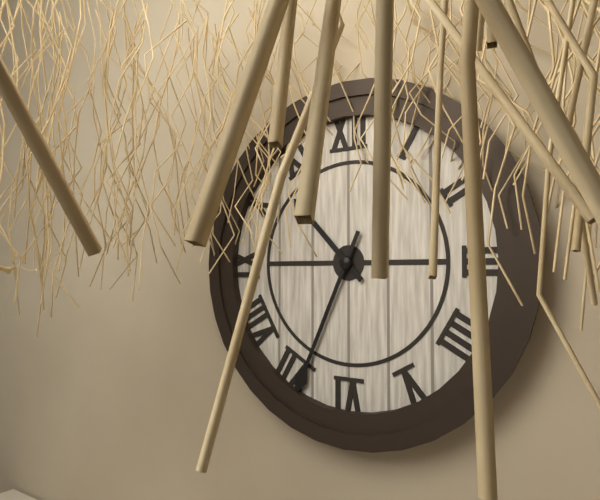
10:34
